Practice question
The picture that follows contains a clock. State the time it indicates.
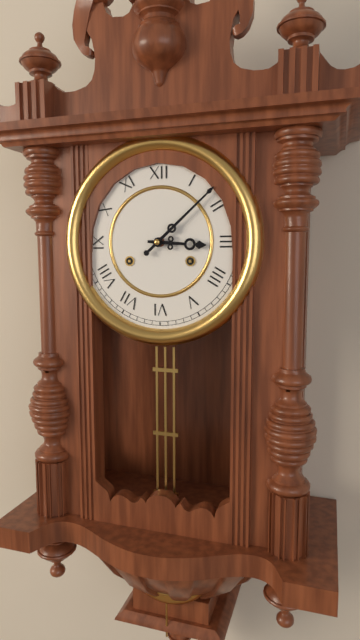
3:08
